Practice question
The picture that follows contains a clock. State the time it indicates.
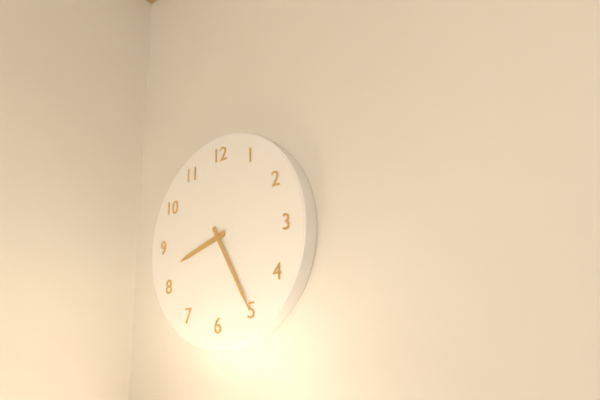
8:25
